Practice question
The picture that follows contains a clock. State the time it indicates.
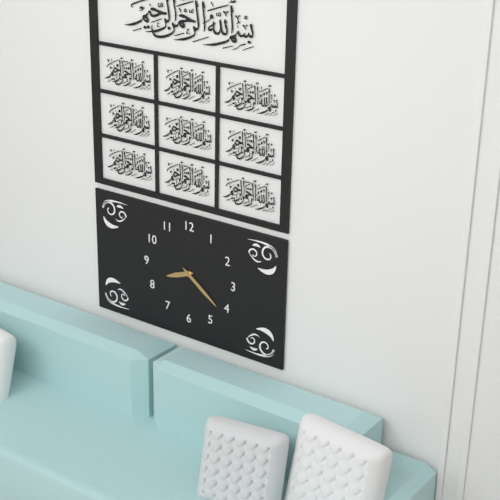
8:21
